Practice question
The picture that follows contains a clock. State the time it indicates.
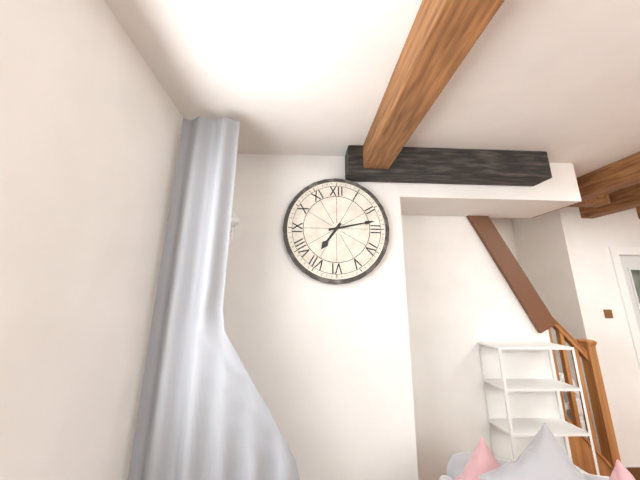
7:13
